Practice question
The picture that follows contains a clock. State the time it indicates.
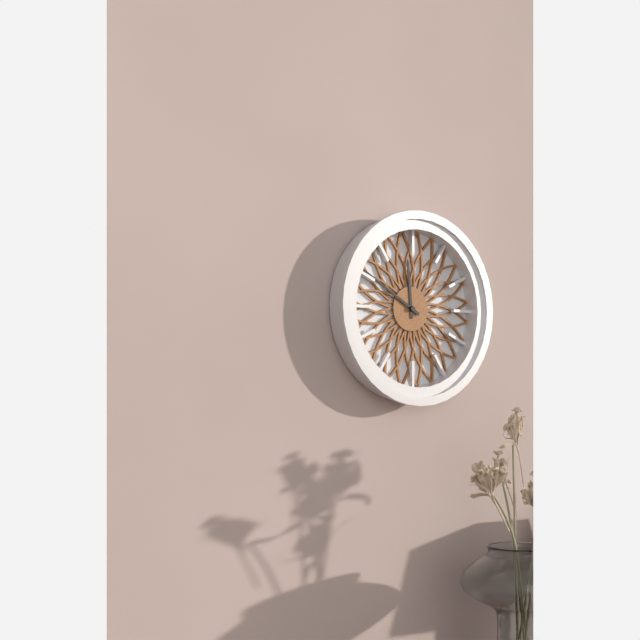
11:50
